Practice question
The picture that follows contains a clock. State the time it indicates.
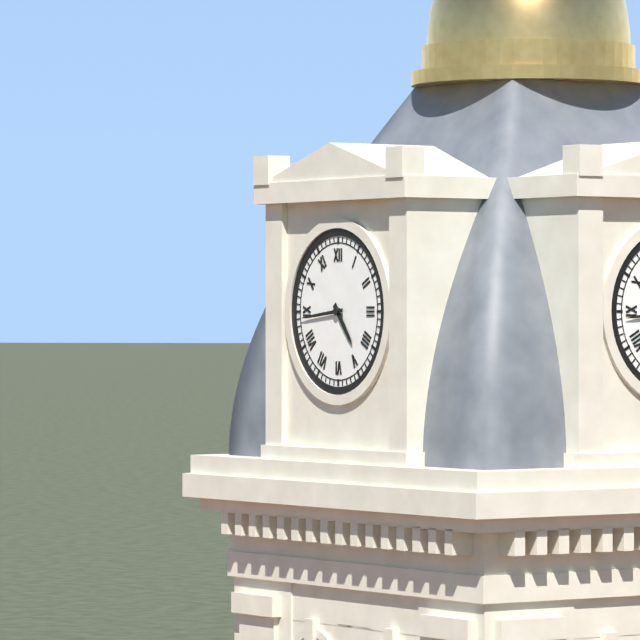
4:44
